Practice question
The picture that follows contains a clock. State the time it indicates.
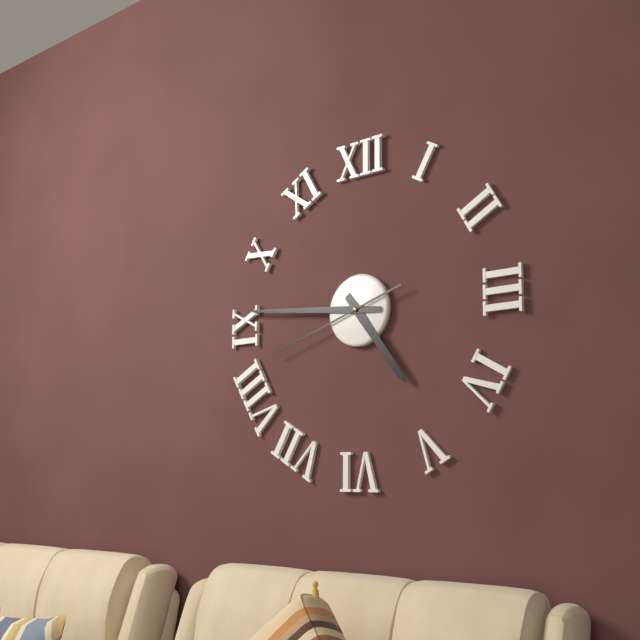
4:46:42
